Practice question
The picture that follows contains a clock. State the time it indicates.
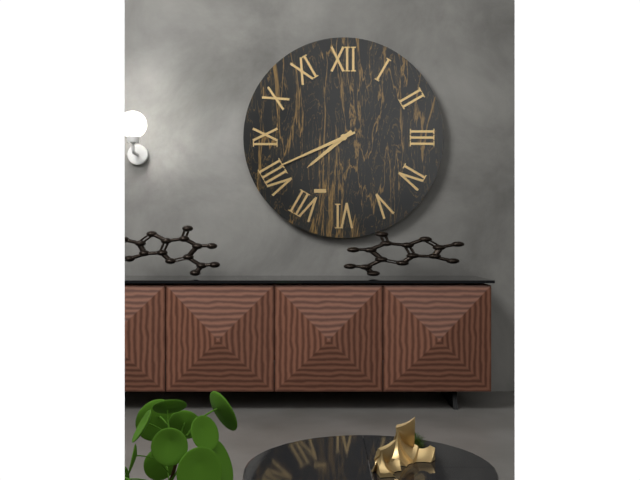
7:41
